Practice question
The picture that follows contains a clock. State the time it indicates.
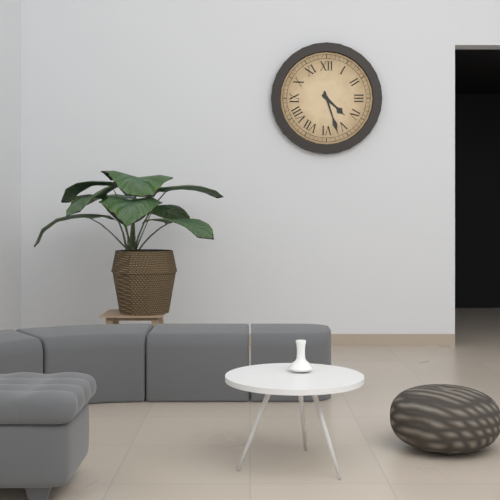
4:27
